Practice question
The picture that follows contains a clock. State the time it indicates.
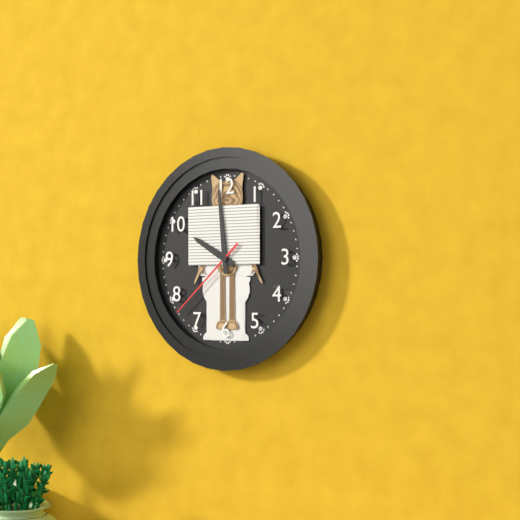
9:59:38
